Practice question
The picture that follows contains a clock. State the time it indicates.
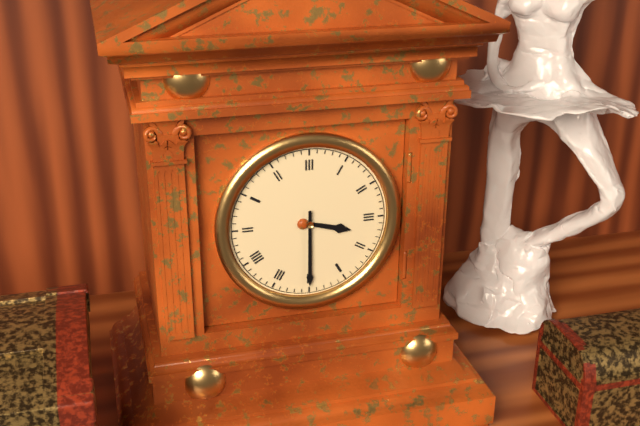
3:30
